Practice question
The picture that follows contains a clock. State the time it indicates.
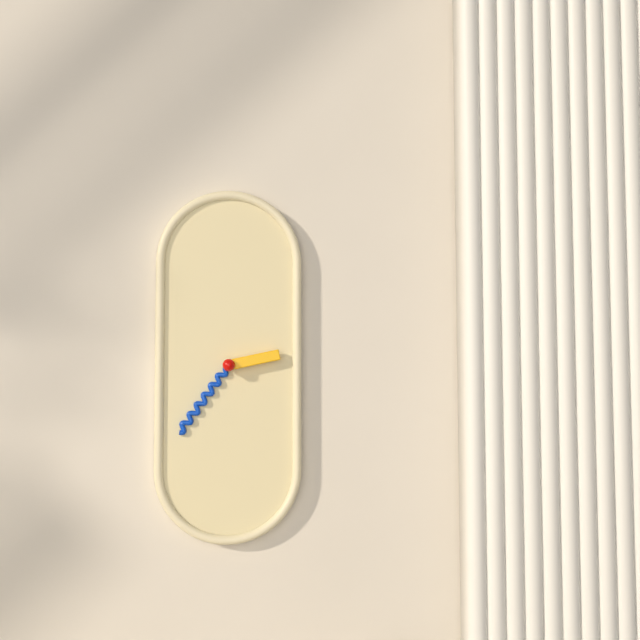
2:36
